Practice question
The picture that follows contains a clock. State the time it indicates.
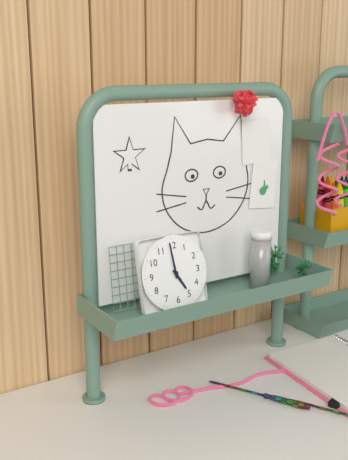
4:59
